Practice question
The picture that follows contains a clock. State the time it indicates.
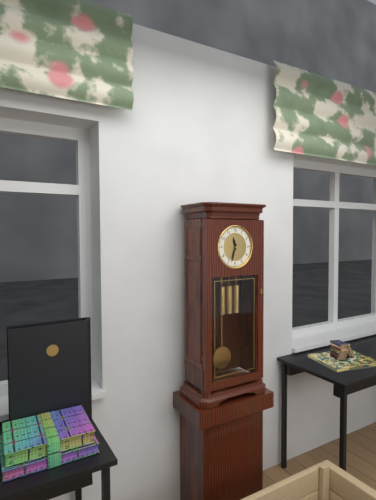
11:33
